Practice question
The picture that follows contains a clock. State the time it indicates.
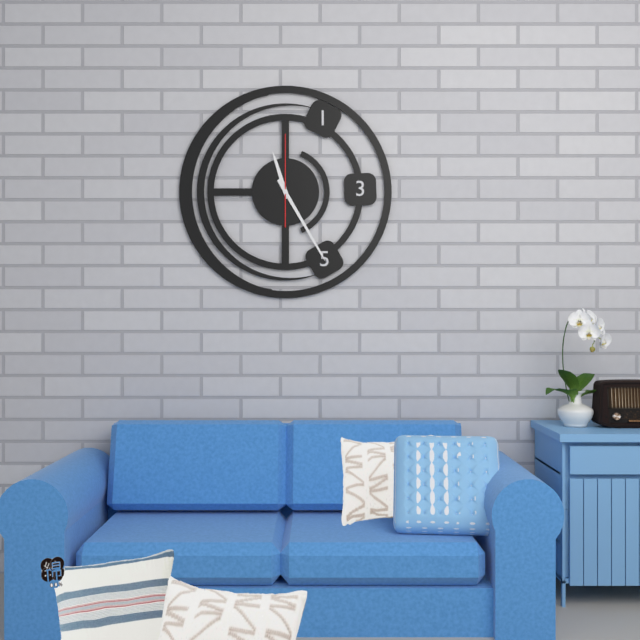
11:25:00
